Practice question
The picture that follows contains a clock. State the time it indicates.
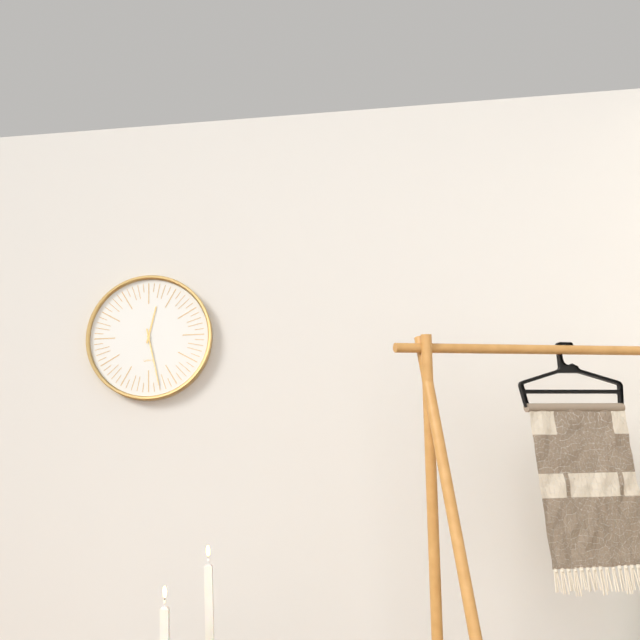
12:28
